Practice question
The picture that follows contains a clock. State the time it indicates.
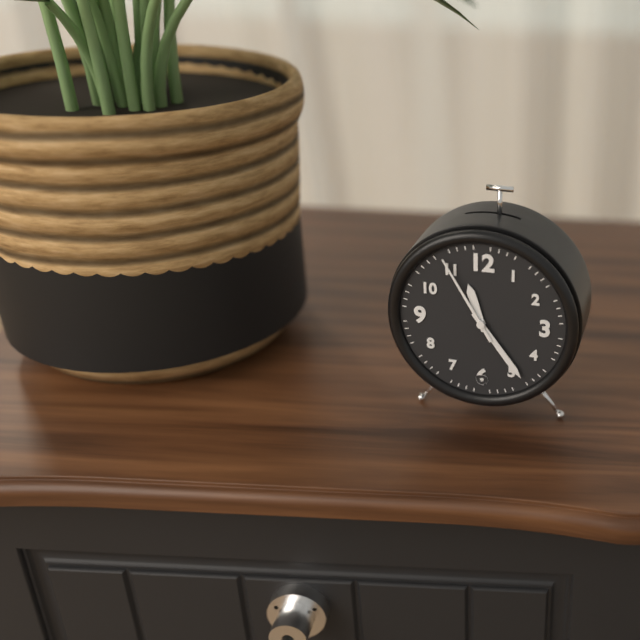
11:24:55
